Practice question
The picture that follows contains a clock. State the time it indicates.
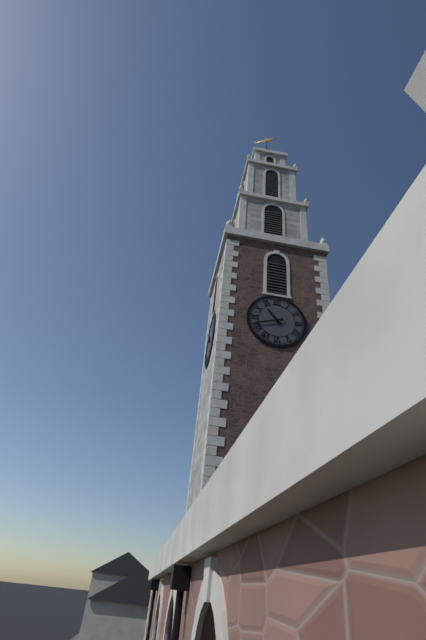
10:42
